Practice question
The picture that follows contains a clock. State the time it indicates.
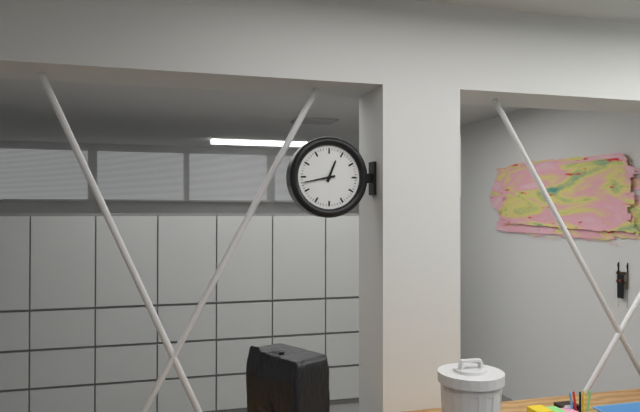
12:43
